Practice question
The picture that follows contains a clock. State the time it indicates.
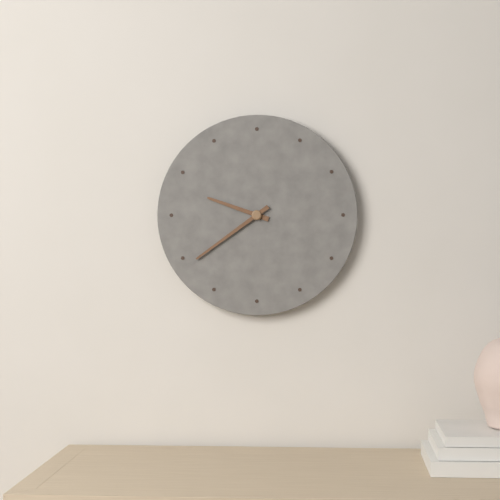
9:39
